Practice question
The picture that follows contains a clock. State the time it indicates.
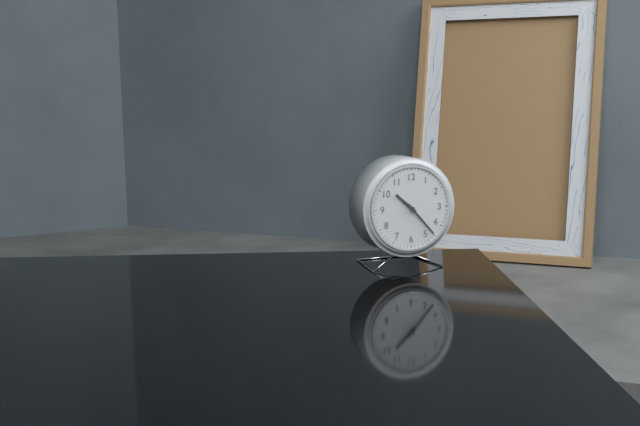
10:23
